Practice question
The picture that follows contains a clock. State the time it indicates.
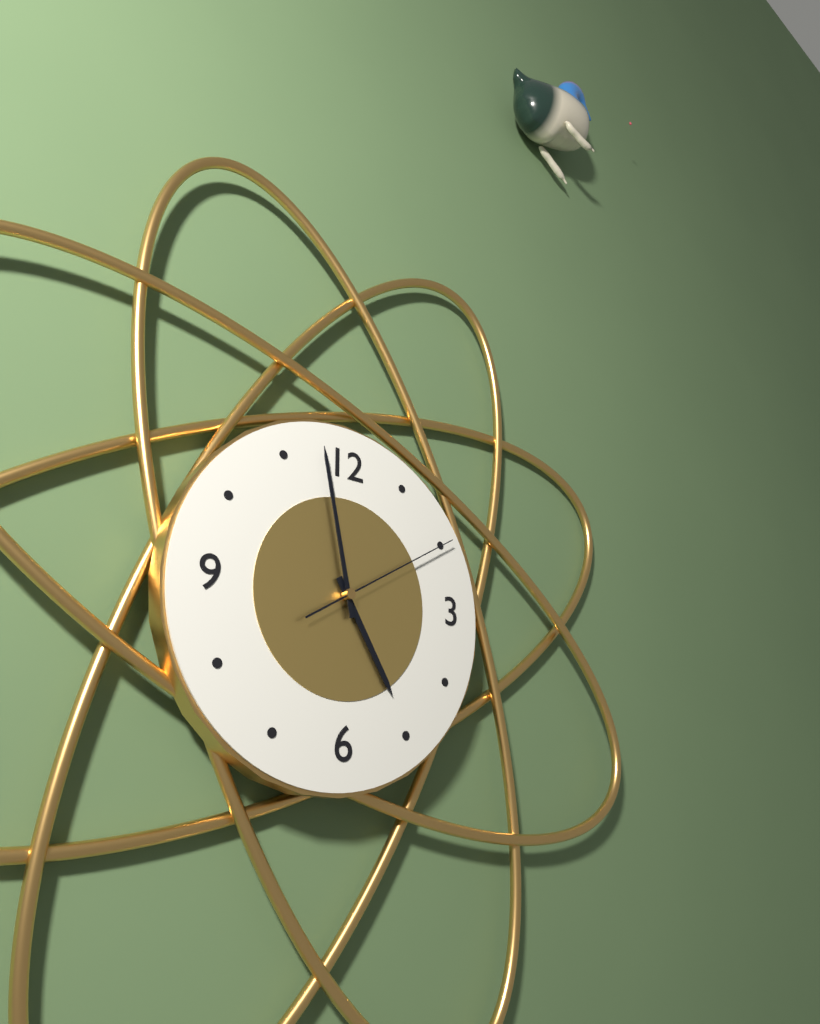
4:58:10
